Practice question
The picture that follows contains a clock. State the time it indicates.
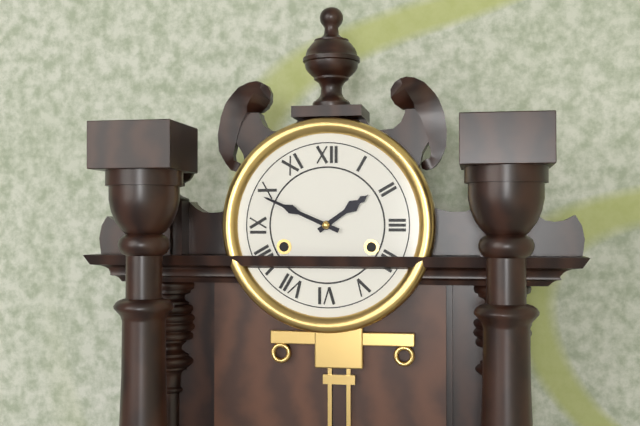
1:49
